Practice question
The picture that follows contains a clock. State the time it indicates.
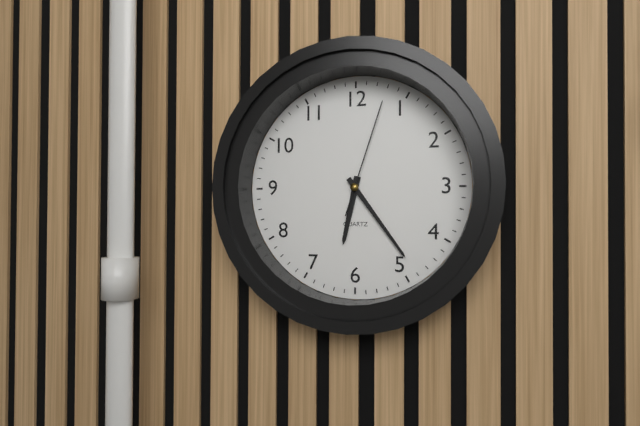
6:24:03
